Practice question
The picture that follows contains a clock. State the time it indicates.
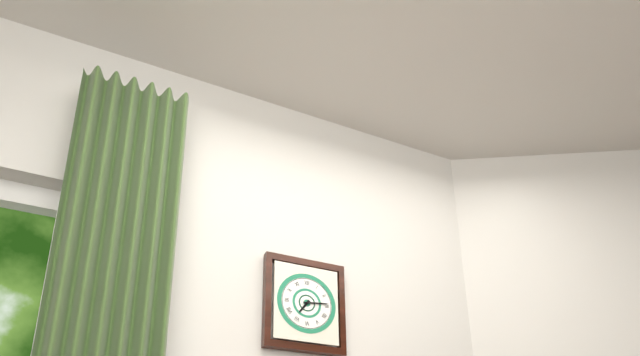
7:14
